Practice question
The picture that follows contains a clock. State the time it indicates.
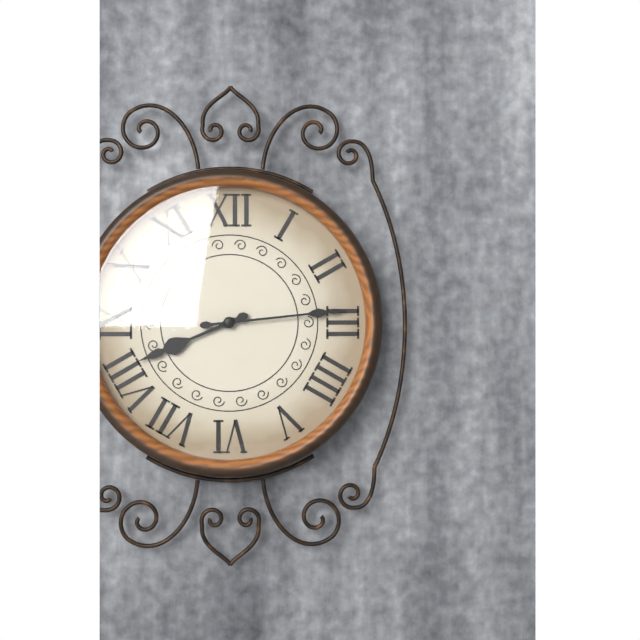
8:14
